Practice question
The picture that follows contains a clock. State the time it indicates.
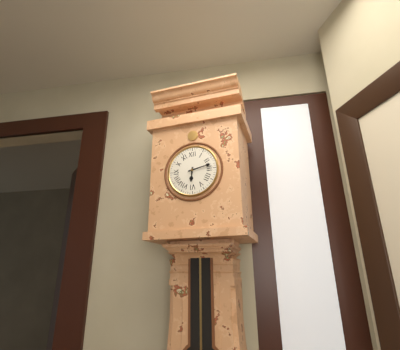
6:13
